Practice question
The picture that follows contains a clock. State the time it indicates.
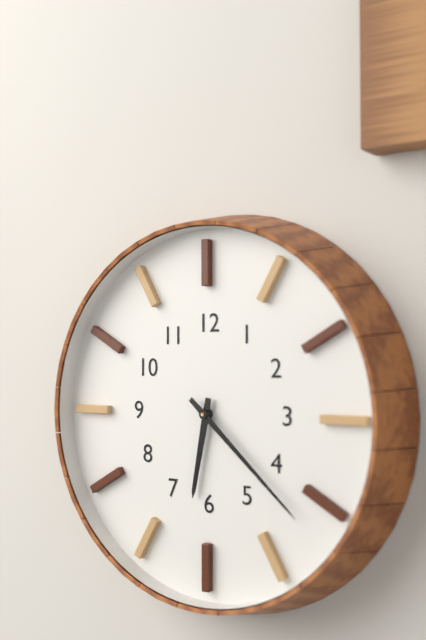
6:22
